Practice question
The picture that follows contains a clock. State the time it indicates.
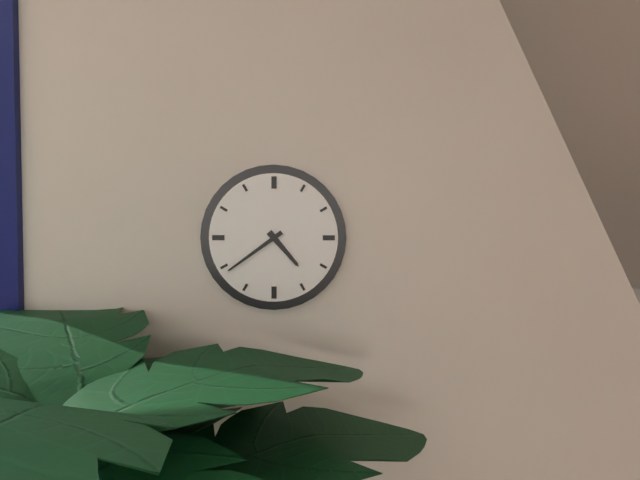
4:39
